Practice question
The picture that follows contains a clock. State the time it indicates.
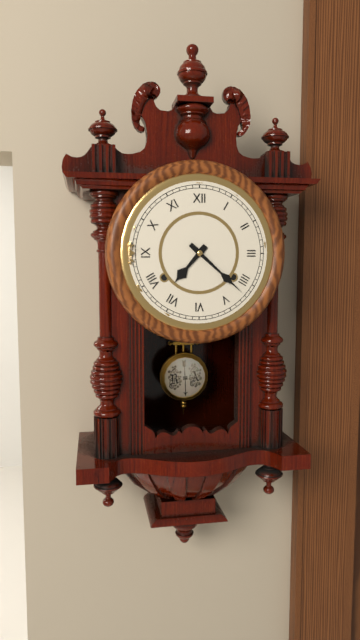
7:22
